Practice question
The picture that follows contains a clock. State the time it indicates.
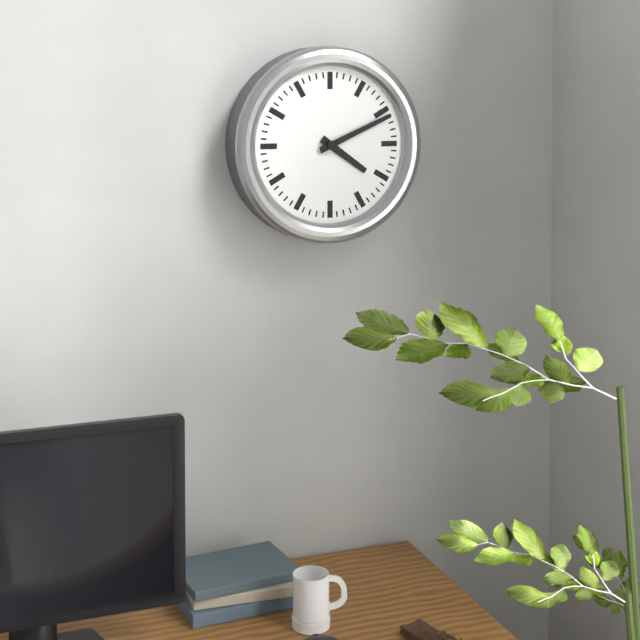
4:11
